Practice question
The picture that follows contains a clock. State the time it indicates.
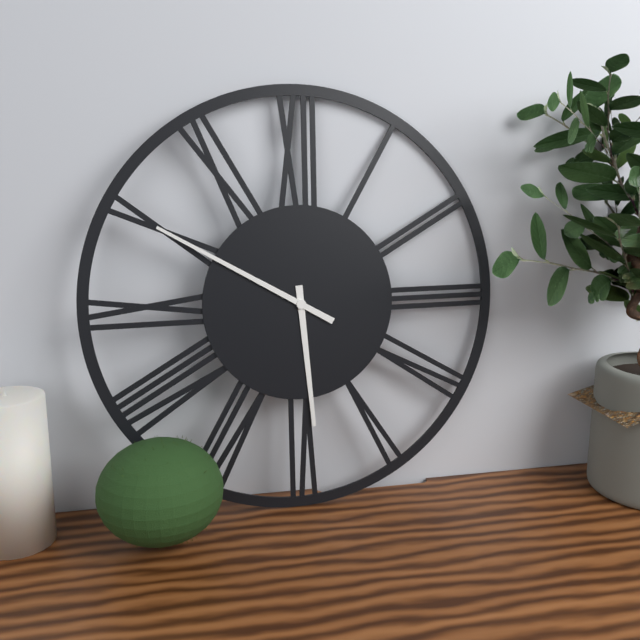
5:50
